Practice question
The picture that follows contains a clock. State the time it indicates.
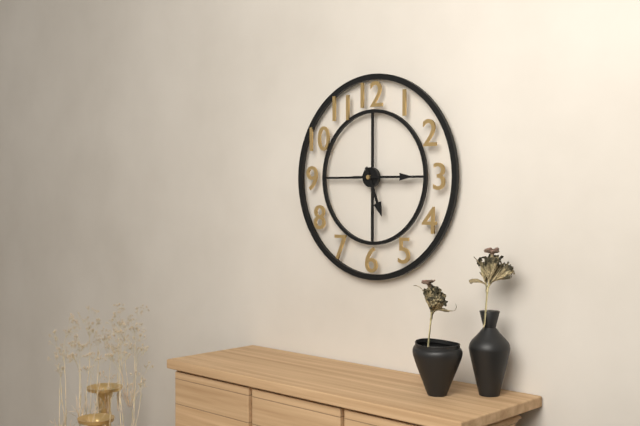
5:15
